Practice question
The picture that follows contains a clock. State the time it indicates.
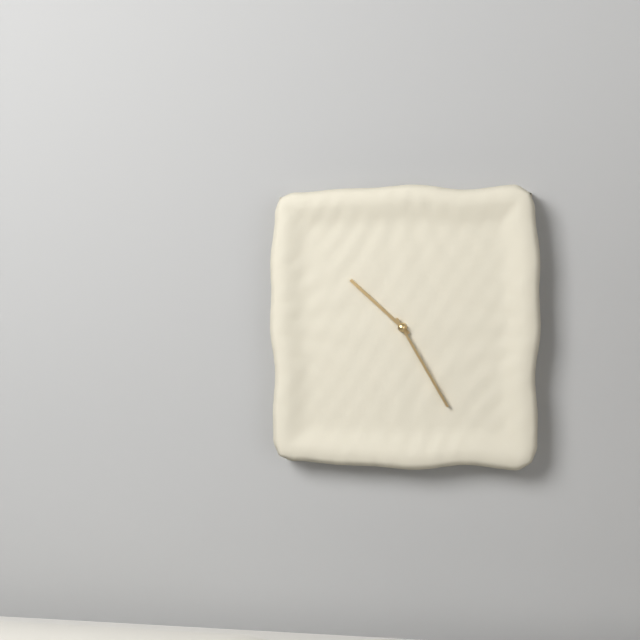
10:25
